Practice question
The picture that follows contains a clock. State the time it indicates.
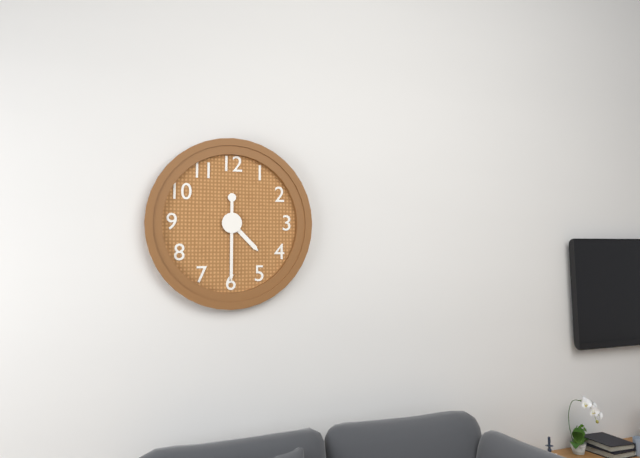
4:30
